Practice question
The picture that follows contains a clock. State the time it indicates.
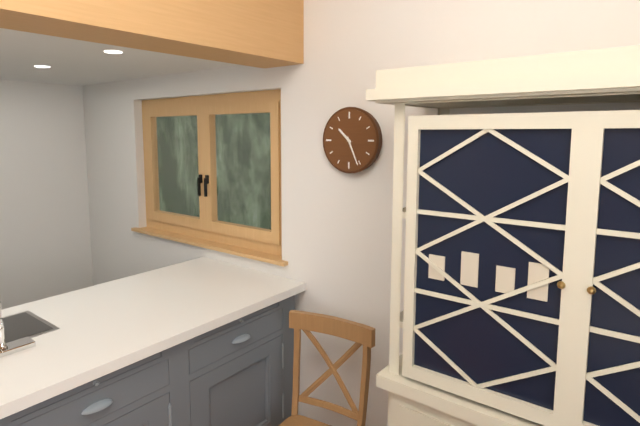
10:26
